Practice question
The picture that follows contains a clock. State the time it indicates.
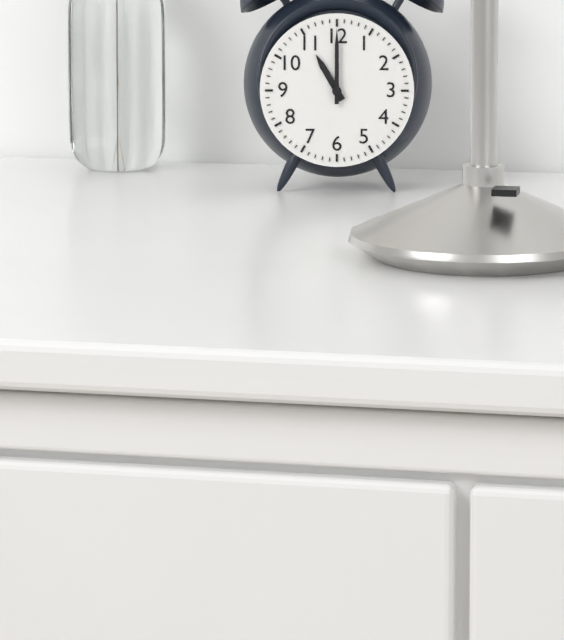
11:00
